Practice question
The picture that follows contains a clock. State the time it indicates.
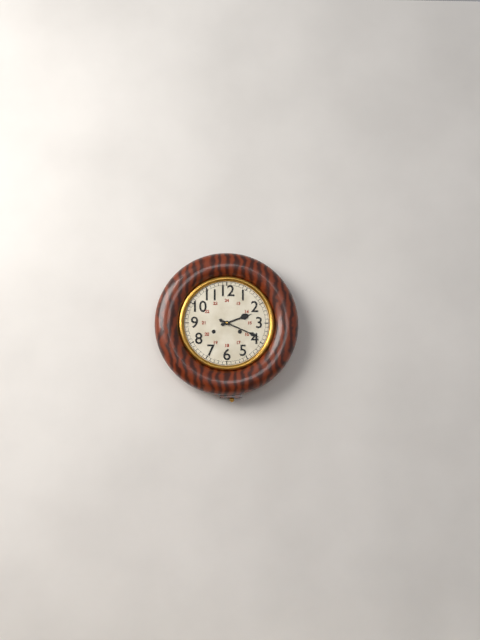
2:19
